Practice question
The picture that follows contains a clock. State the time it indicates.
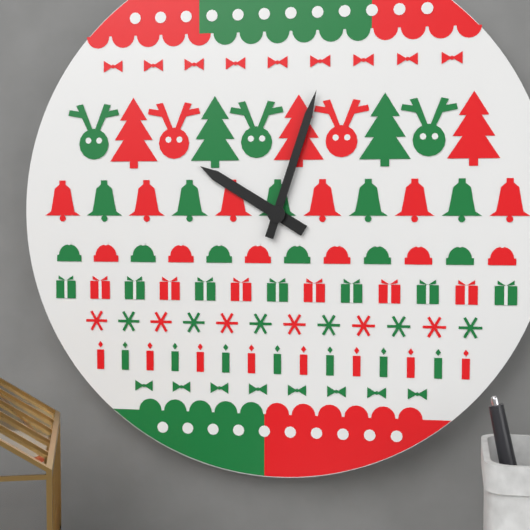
10:03
